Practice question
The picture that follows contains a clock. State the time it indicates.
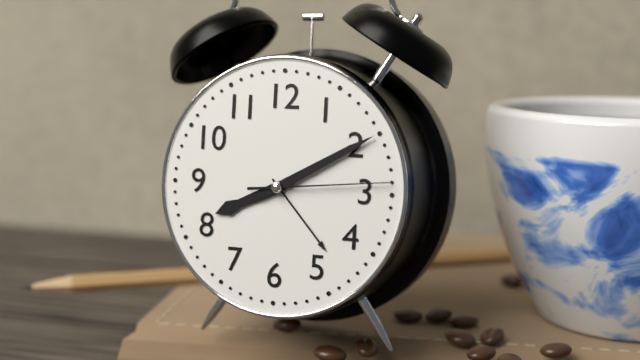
8:10:14
